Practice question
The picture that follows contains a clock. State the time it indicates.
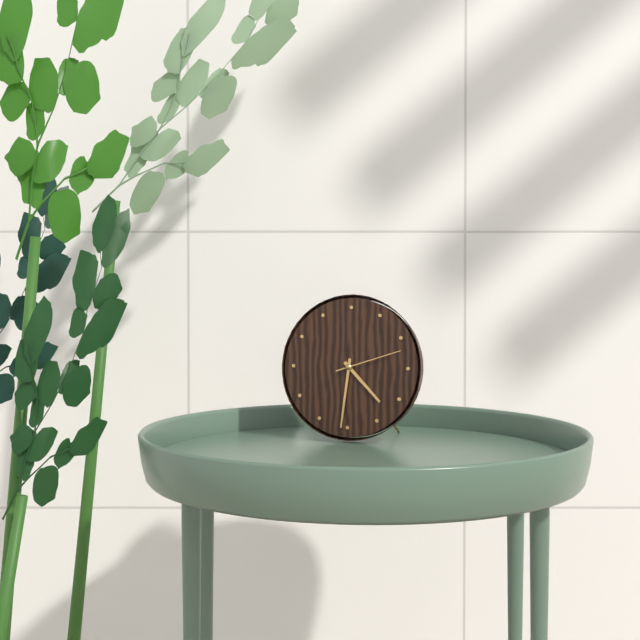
4:31:12
